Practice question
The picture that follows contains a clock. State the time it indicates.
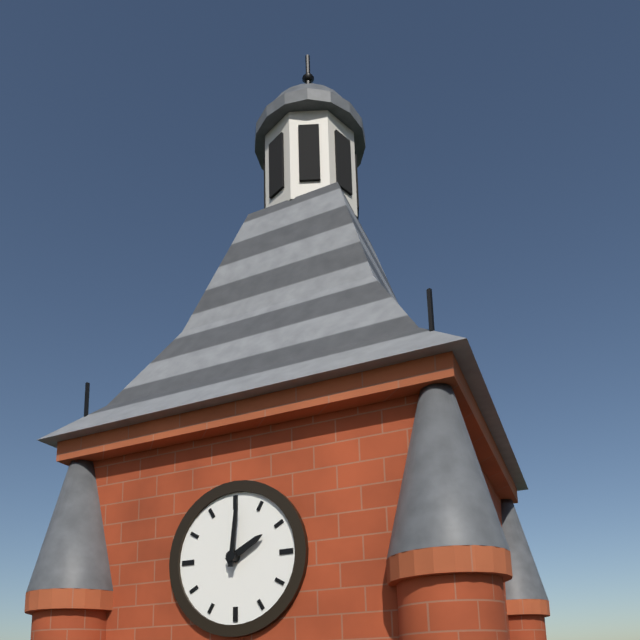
2:01
